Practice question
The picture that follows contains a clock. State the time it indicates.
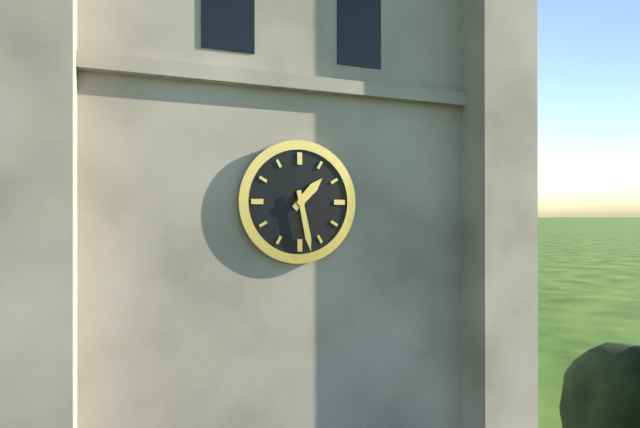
1:28
